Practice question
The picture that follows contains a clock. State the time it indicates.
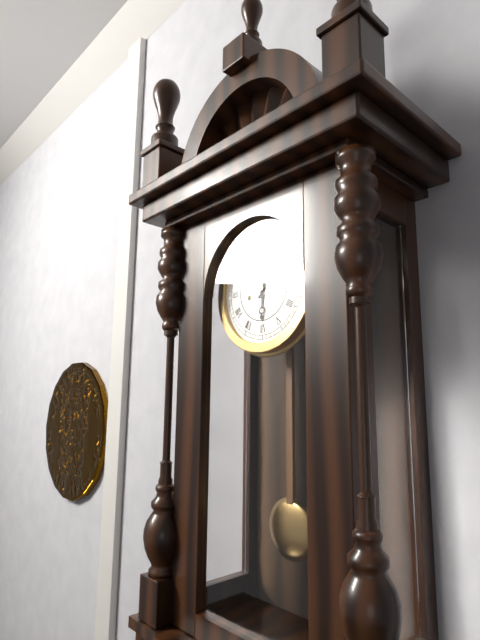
6:04
